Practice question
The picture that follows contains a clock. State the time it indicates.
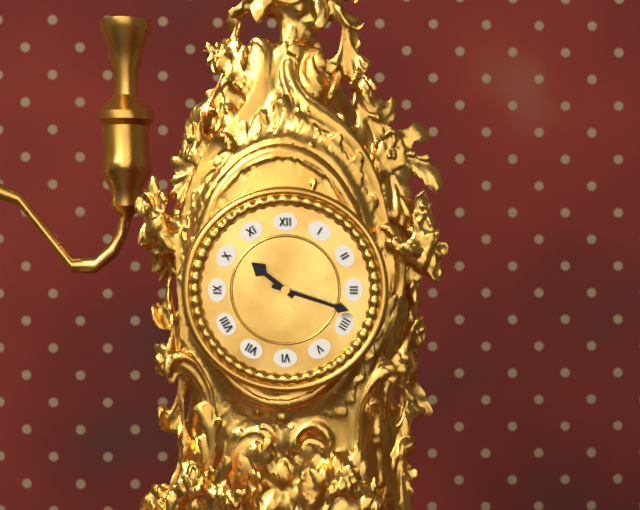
10:18
